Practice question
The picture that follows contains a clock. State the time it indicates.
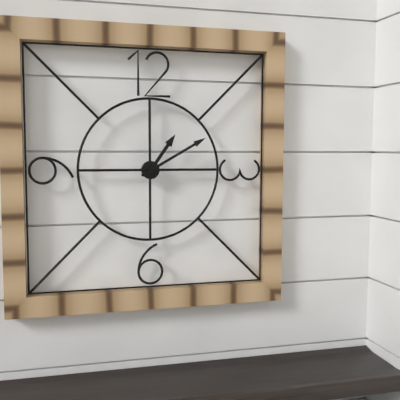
1:10
